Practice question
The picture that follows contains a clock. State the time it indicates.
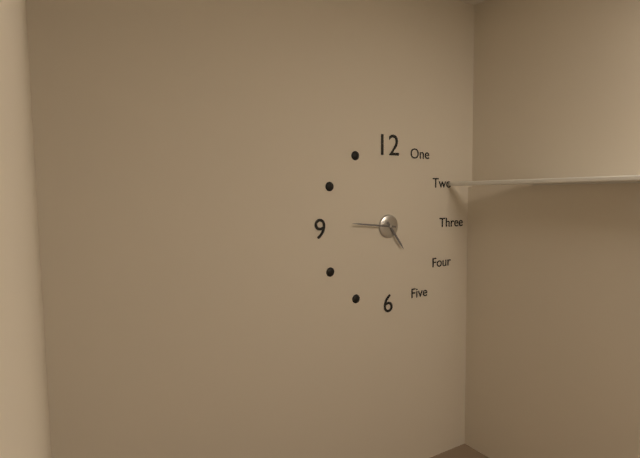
4:46
